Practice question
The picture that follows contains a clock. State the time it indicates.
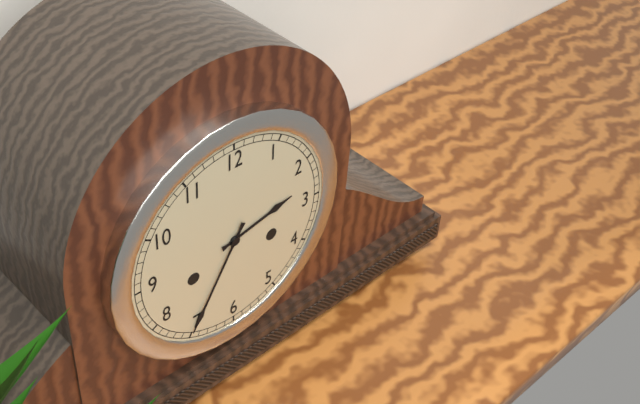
2:35
